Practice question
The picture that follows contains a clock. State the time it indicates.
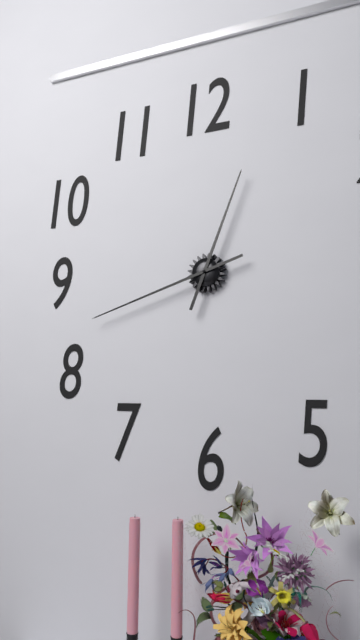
12:42
